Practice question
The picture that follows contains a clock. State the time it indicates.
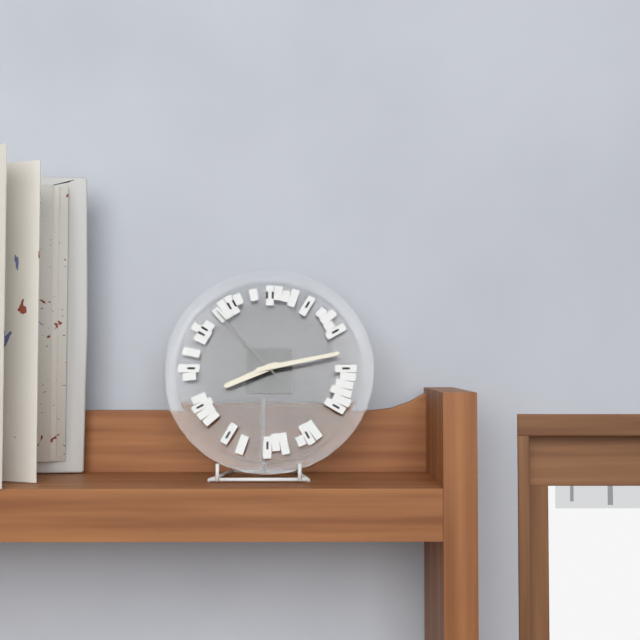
8:13:53
